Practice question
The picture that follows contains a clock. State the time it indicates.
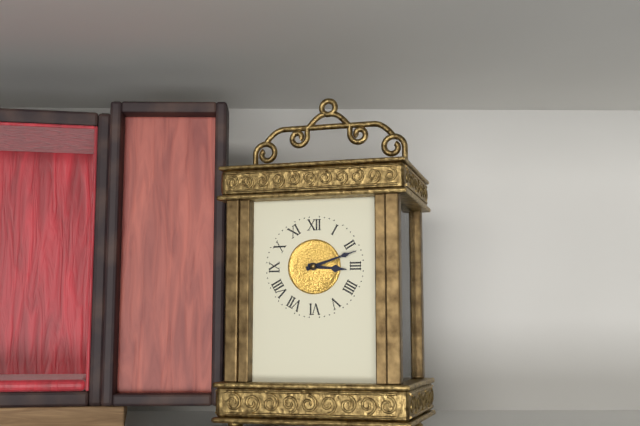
3:12
